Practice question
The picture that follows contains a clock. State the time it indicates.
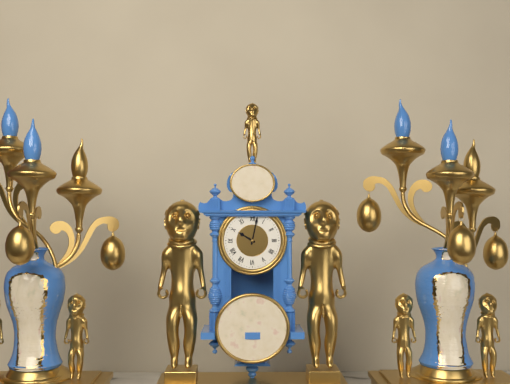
10:02
